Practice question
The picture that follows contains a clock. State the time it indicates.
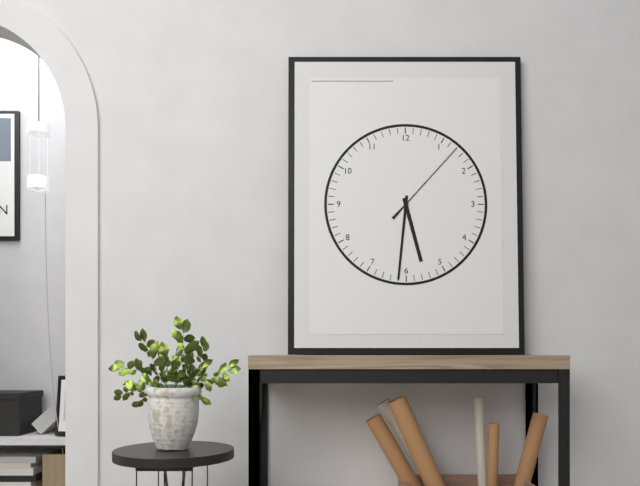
5:31:07
